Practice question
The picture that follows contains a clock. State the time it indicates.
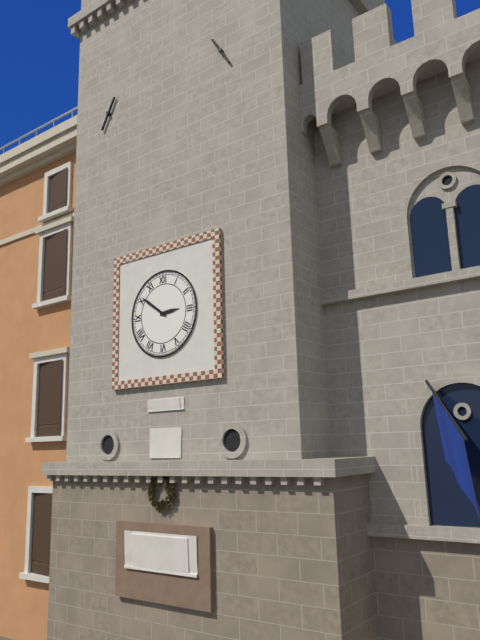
2:51
